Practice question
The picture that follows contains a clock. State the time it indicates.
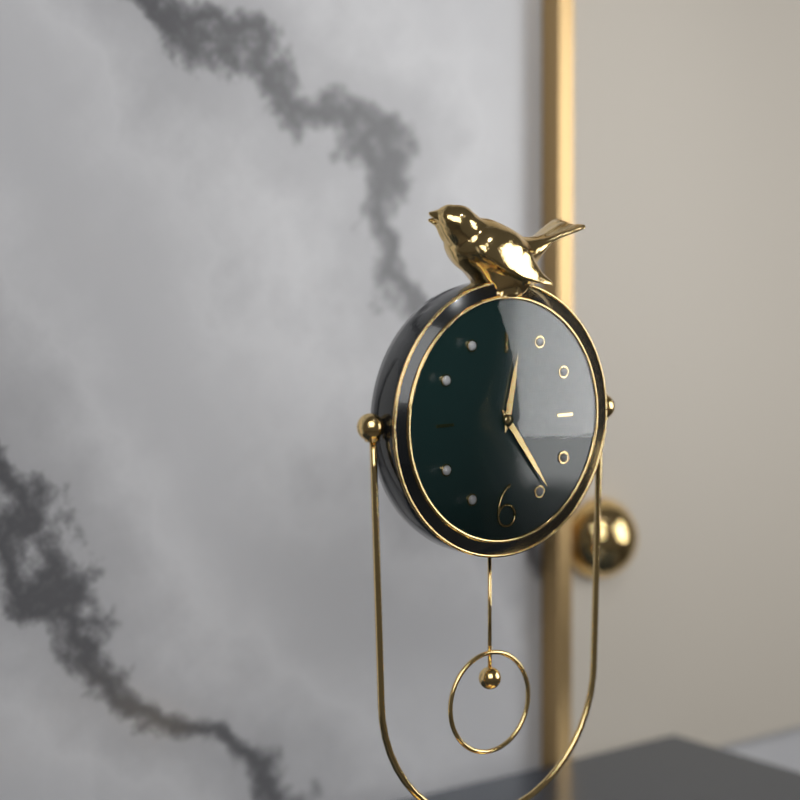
12:24
